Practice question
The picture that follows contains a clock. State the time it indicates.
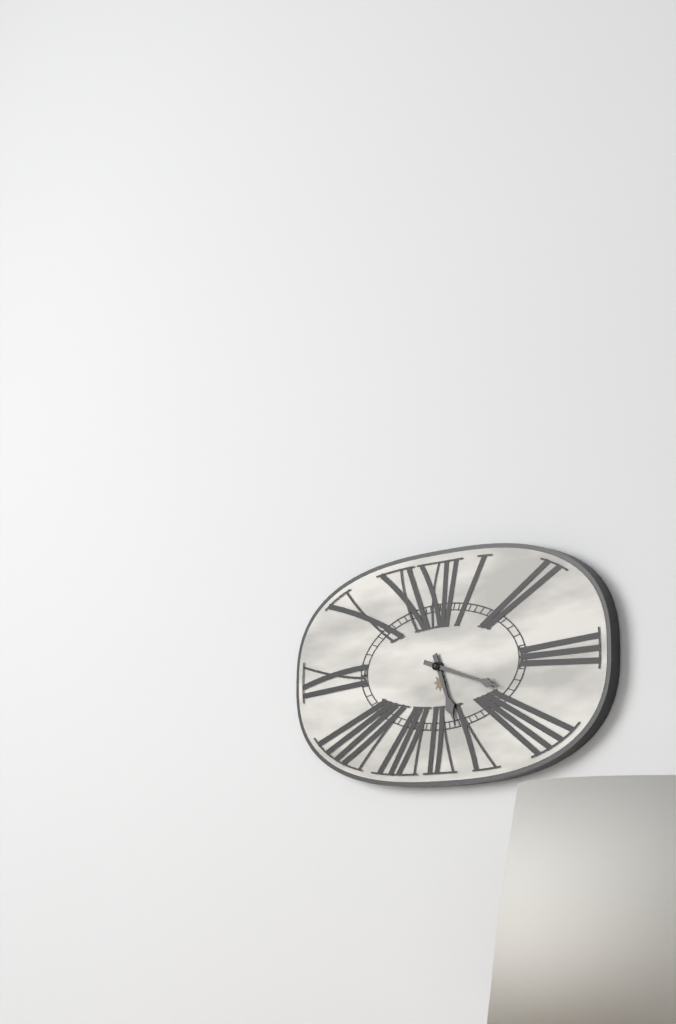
5:18
